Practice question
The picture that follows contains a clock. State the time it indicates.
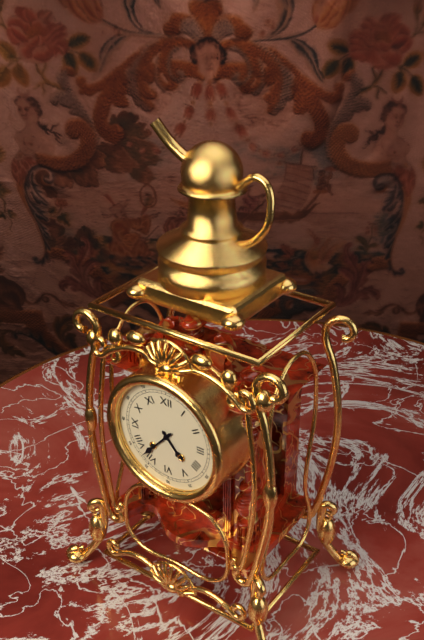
4:37
